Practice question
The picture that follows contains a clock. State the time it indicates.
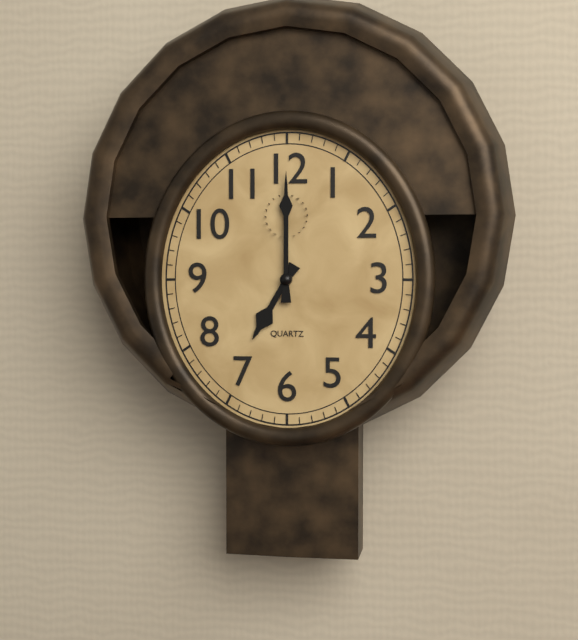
7:00
